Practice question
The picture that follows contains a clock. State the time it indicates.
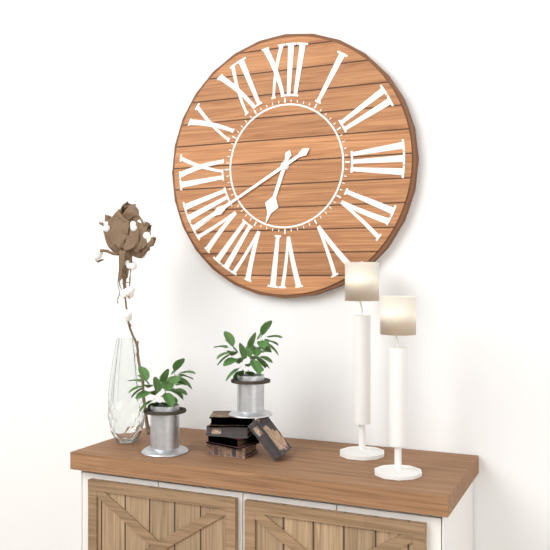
6:40
